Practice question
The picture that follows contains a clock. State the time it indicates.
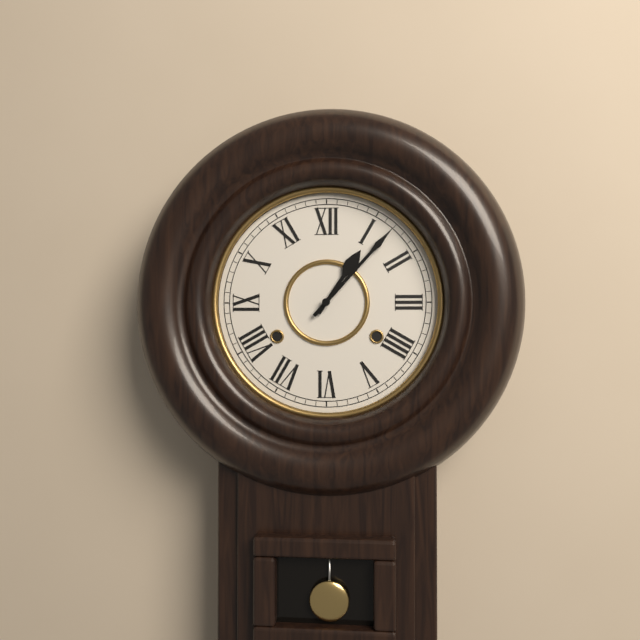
1:07
